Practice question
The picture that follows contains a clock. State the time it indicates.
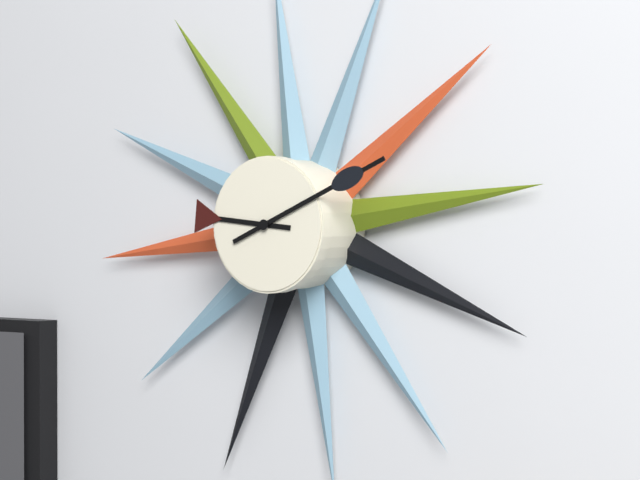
9:11
